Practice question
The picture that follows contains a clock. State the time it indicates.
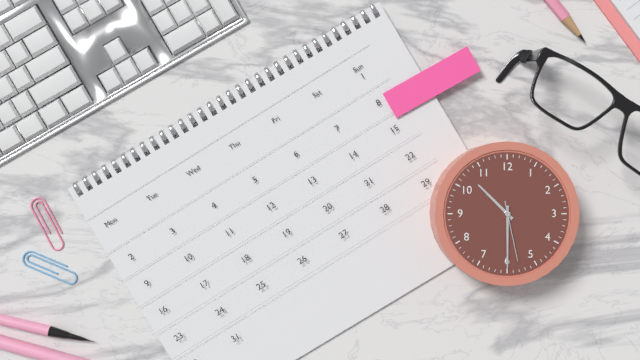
10:30:28
